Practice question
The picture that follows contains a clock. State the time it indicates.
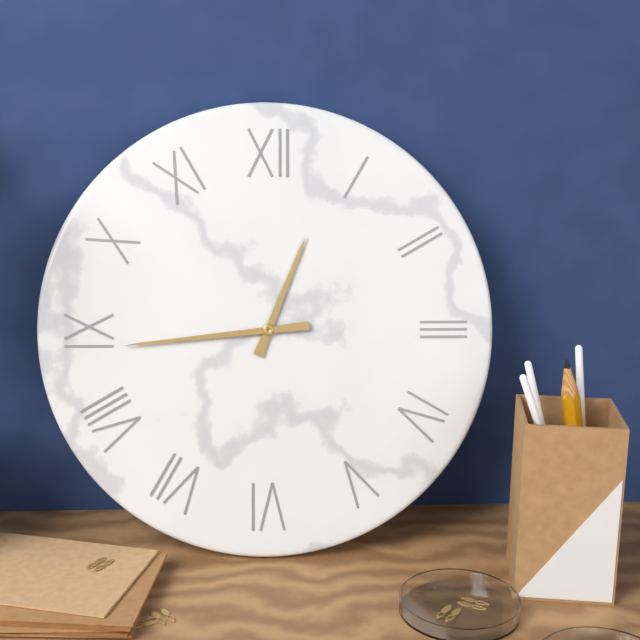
12:44
